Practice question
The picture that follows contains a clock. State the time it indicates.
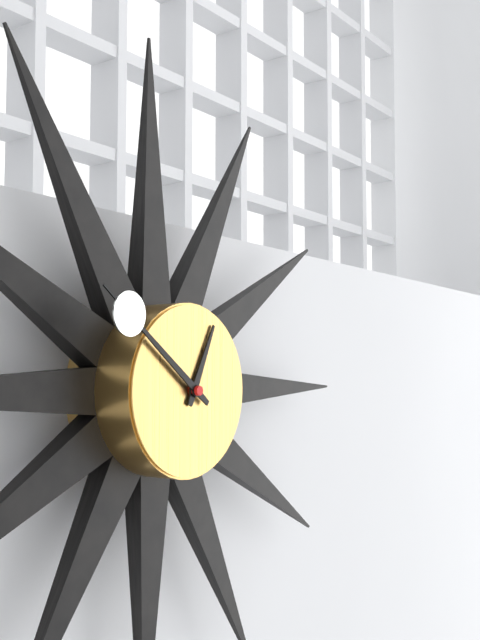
12:51
